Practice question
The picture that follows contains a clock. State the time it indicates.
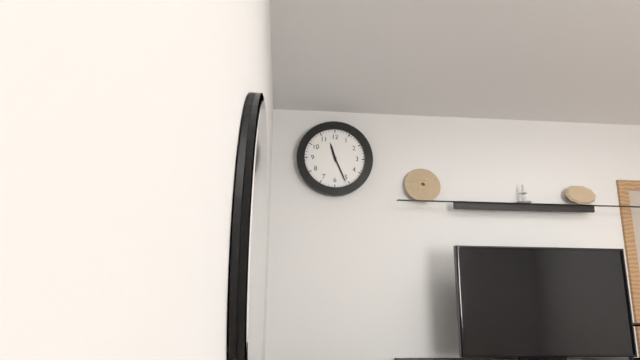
11:26
